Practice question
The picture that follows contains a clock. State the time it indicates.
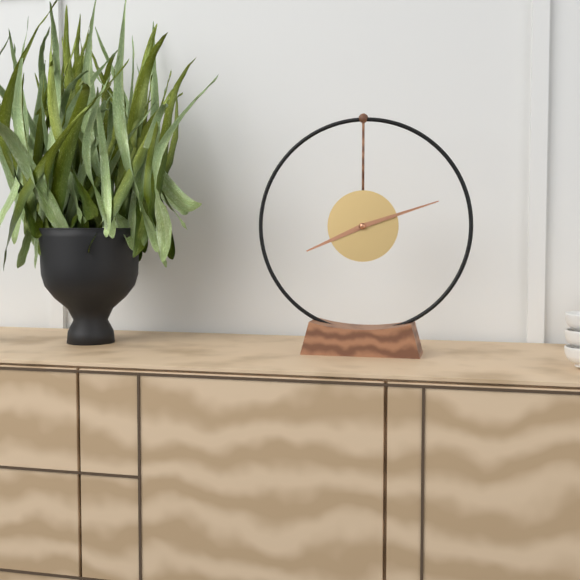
8:12
